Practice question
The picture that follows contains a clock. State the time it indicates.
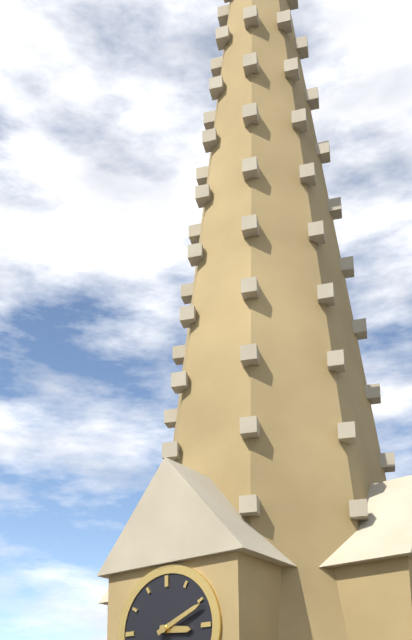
3:11
